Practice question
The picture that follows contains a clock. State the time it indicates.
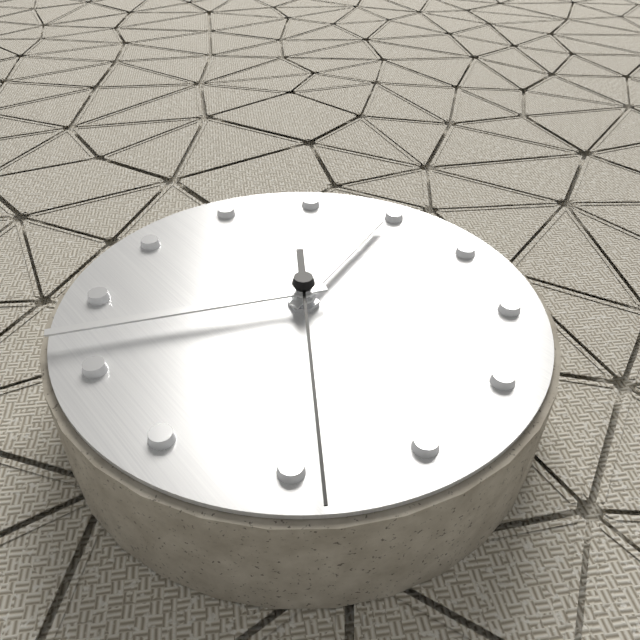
3:57:44
